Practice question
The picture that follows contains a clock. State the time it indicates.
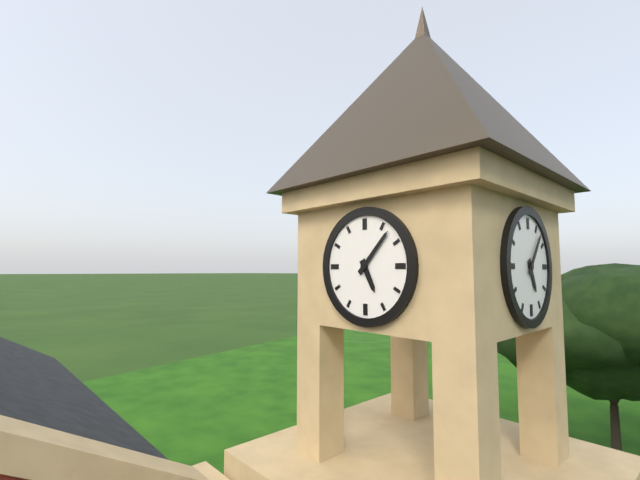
5:07
